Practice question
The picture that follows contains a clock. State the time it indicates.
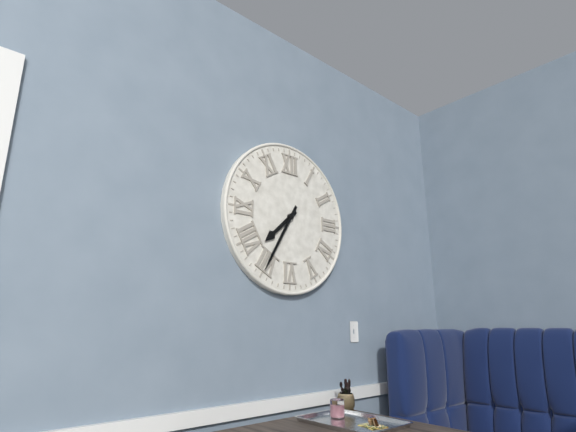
7:35
